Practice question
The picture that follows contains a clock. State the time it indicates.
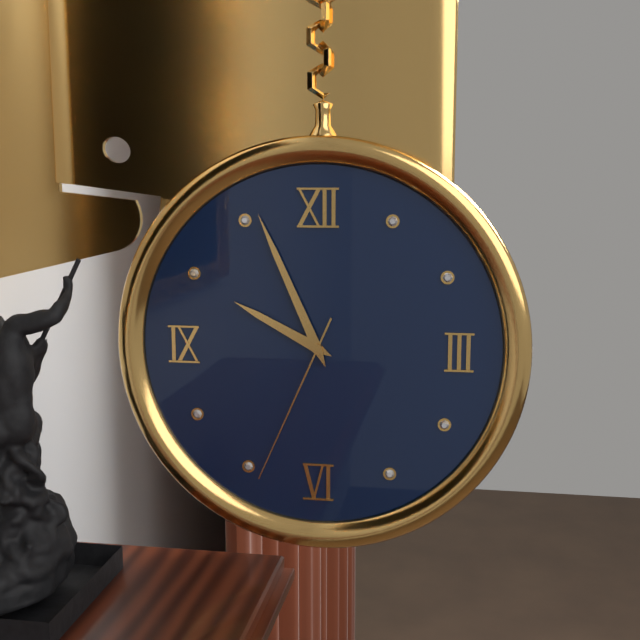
9:56:34
